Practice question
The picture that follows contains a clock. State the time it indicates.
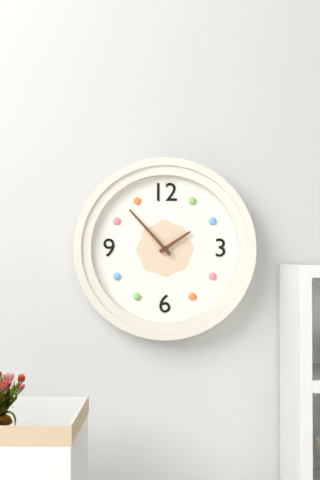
1:53
